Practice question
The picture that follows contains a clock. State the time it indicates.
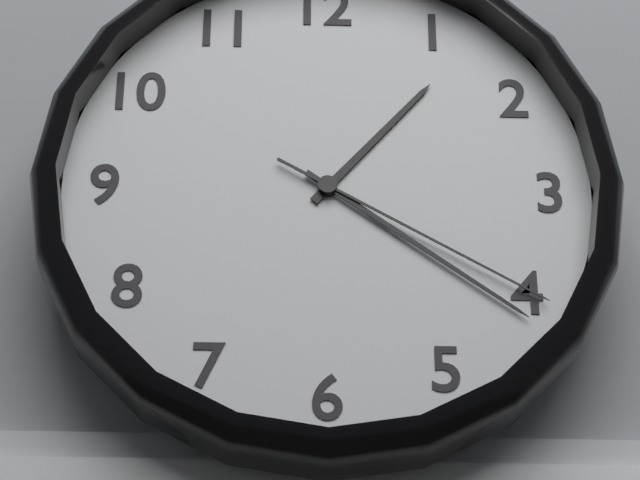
1:21:20
